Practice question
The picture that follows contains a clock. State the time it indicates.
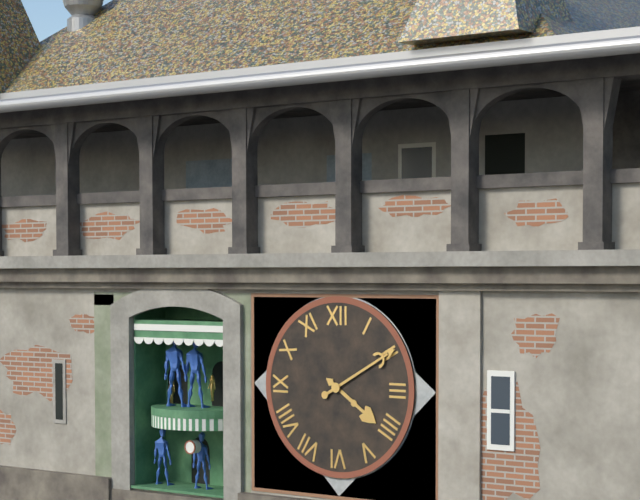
4:10
